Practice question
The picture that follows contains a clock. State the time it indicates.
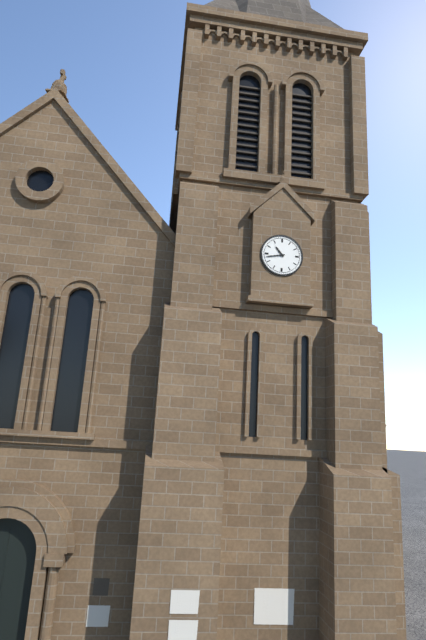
10:43
